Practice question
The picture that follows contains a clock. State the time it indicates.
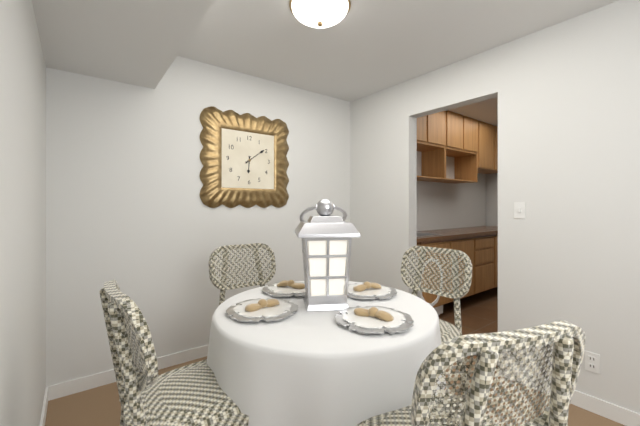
6:09
